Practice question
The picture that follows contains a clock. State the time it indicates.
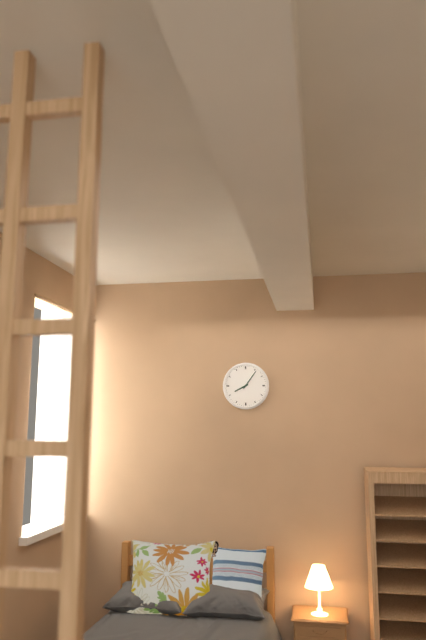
8:06
